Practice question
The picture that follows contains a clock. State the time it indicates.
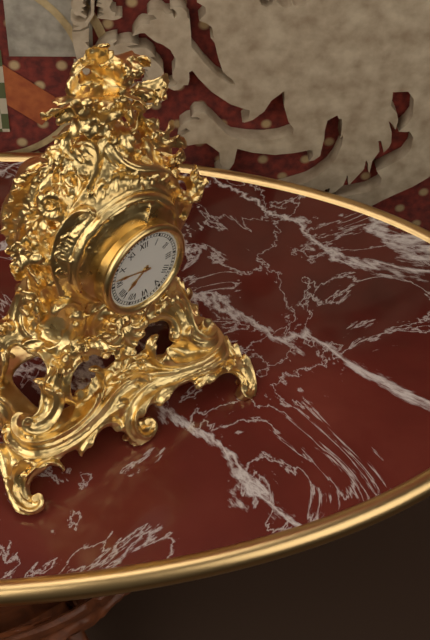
7:47
